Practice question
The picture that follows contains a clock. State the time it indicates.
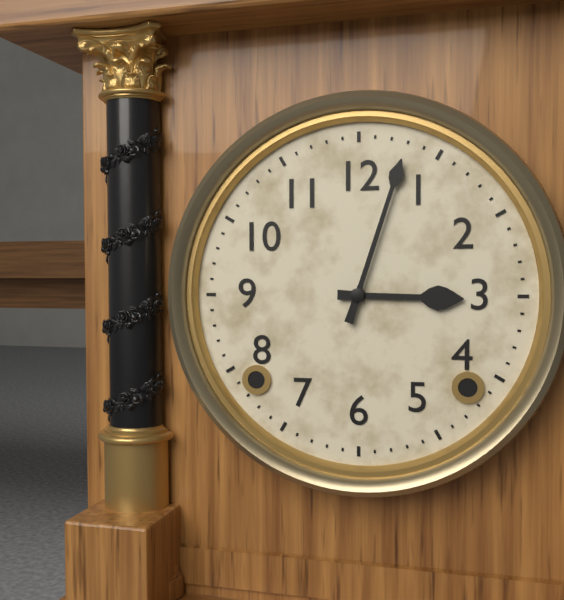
3:03
